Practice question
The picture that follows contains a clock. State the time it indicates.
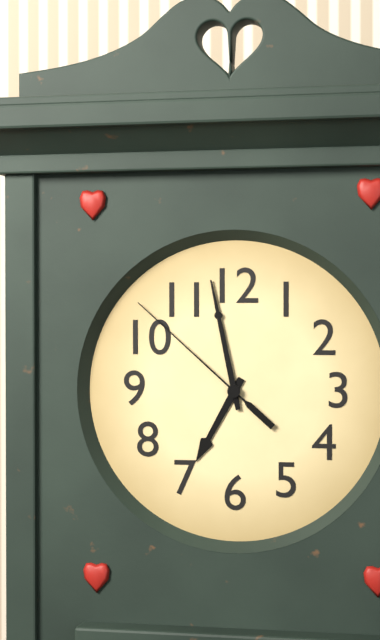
6:58:52
